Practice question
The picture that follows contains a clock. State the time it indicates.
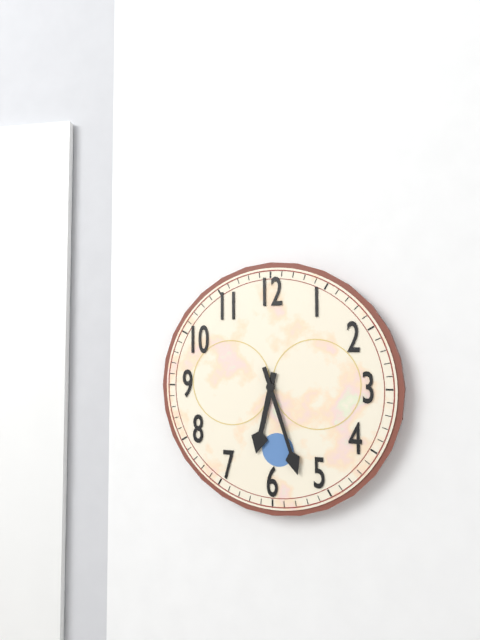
6:27
